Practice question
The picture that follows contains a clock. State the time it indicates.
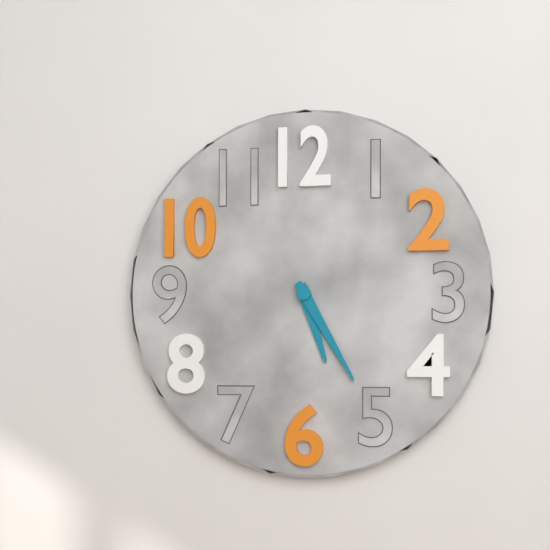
5:25
